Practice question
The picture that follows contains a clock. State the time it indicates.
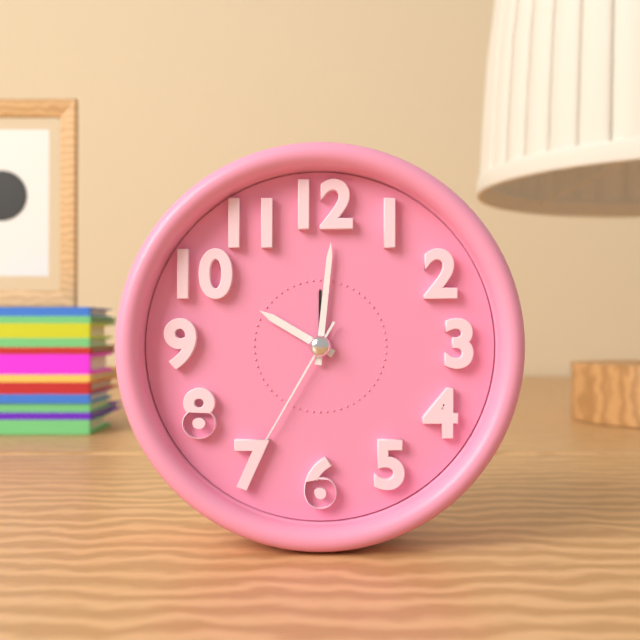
10:01:35
